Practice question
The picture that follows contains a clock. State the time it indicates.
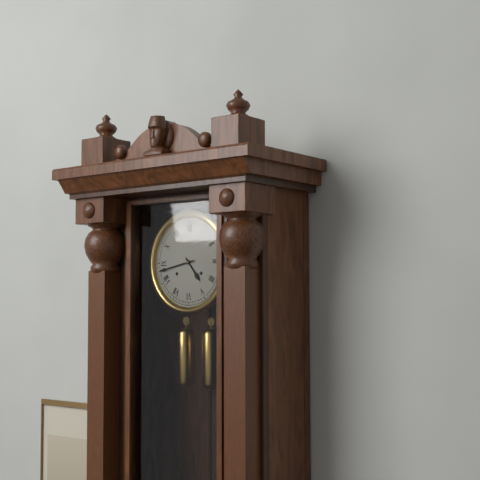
4:43
